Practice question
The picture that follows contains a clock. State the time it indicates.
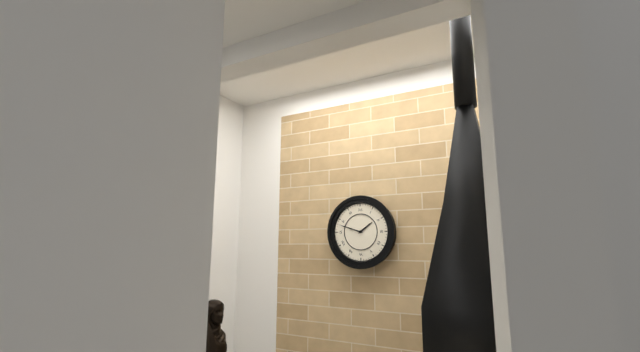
1:48
